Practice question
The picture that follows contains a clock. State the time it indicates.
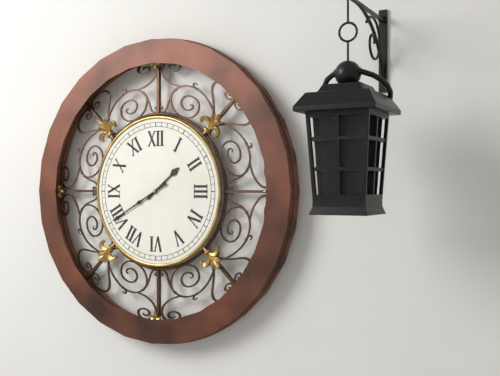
1:40
